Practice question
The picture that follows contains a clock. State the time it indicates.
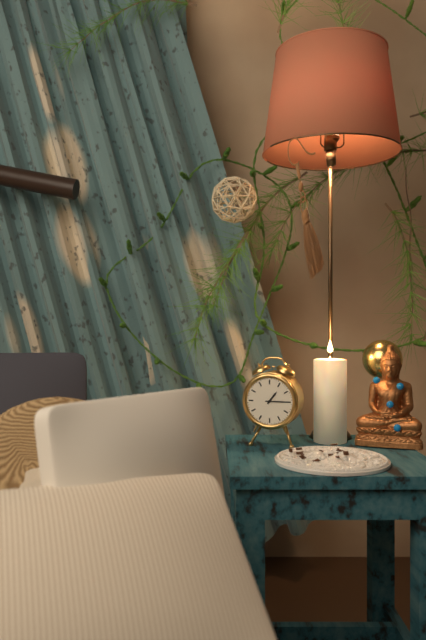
1:15
